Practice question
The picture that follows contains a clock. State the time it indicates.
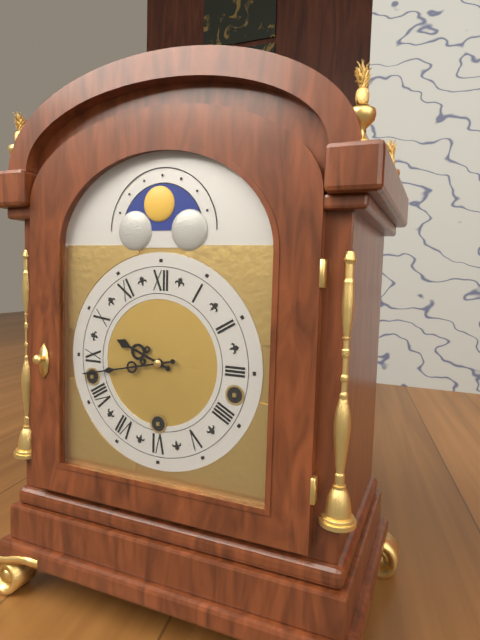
9:43
